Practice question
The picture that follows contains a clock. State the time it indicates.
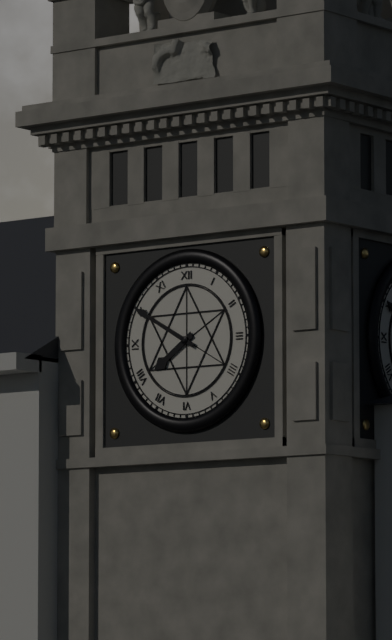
7:50
